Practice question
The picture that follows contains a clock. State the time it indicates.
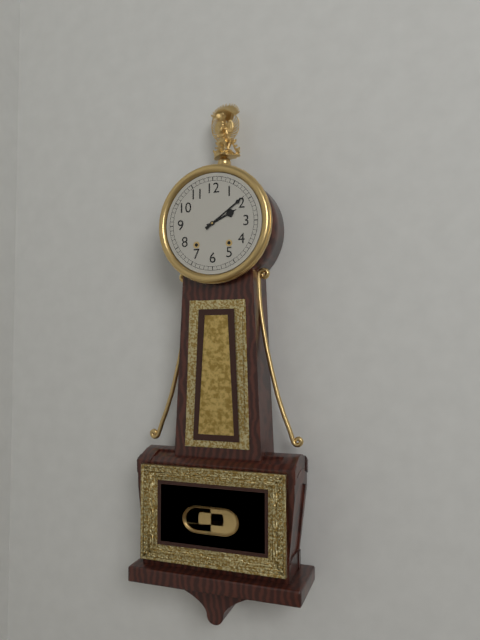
2:09
